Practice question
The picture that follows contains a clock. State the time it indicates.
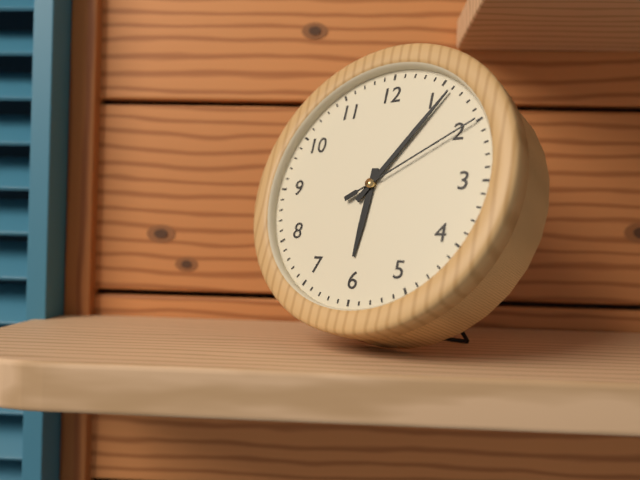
6:06:10
